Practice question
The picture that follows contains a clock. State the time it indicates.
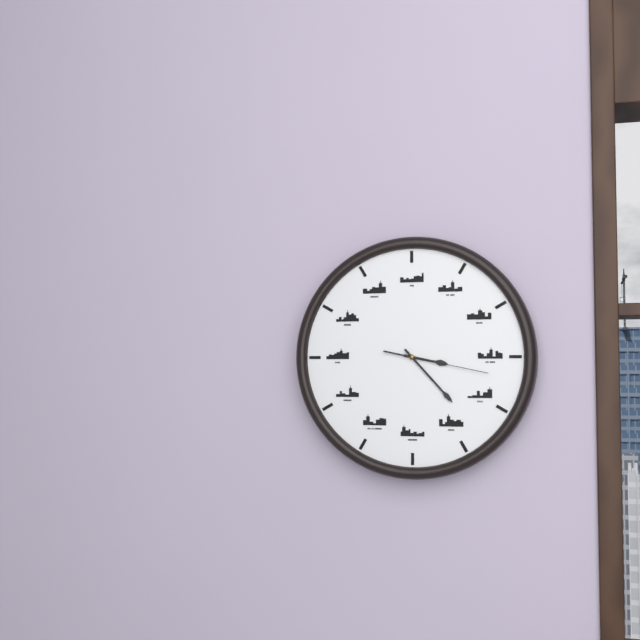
3:23:17
